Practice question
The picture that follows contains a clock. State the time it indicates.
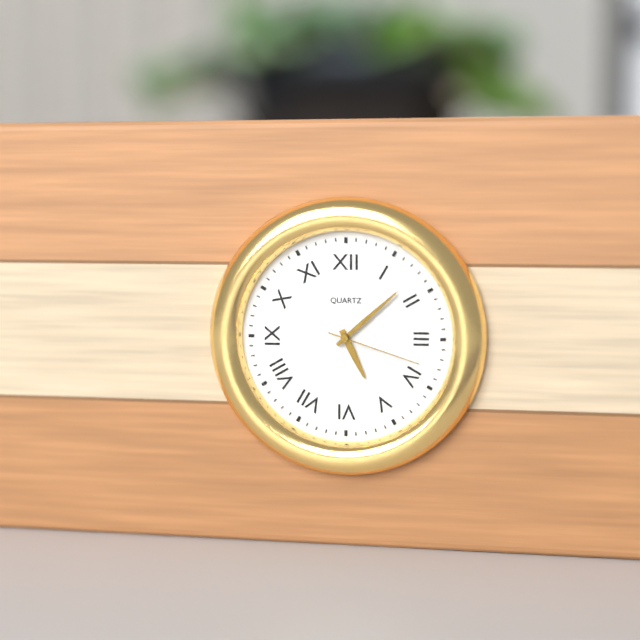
5:08:18
